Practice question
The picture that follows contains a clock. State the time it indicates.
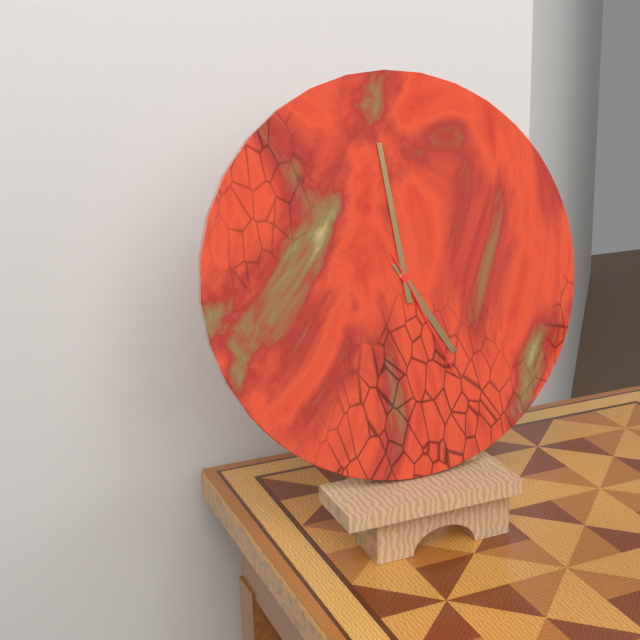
4:59:26
